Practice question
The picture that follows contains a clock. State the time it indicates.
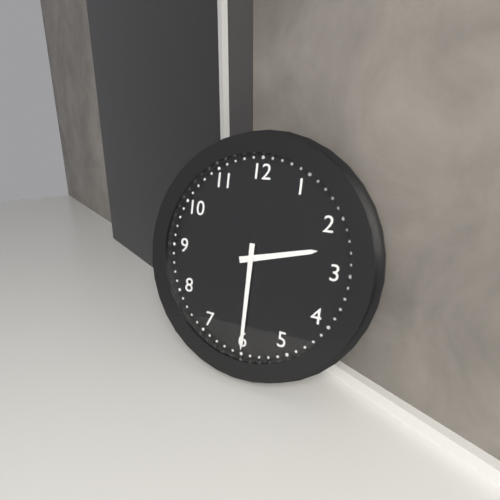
2:30
